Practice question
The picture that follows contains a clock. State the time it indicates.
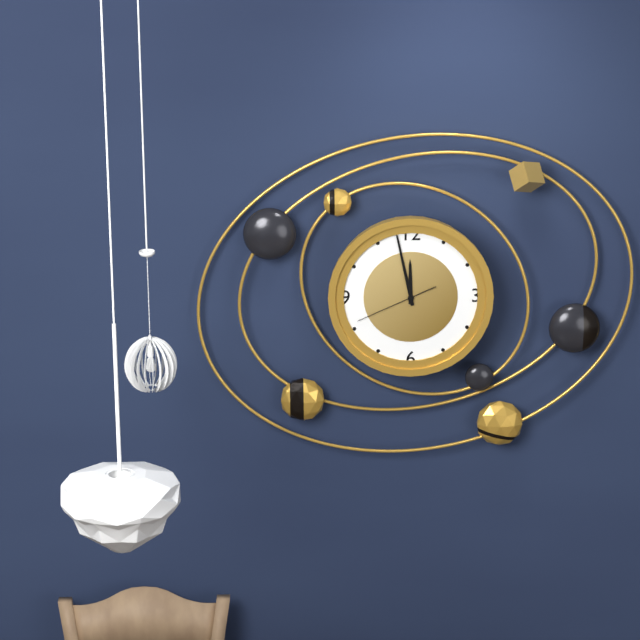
11:58:41
